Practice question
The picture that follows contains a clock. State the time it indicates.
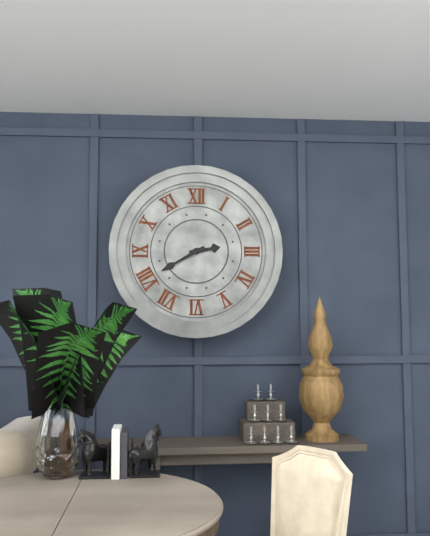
2:40
